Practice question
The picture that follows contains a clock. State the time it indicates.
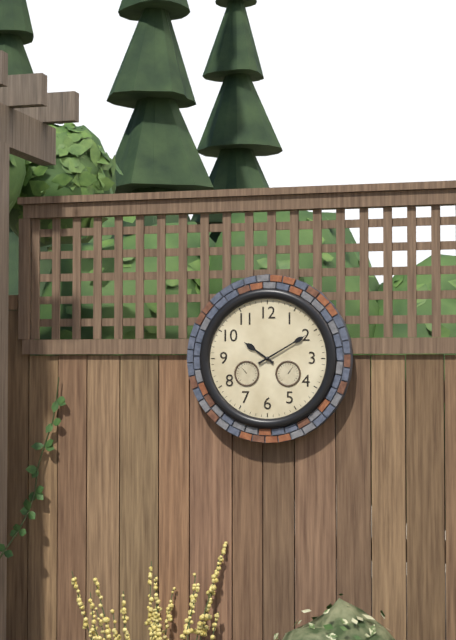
10:10
